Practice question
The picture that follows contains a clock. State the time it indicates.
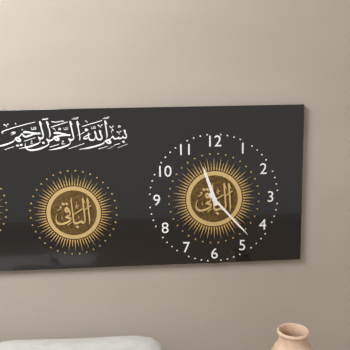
11:23
